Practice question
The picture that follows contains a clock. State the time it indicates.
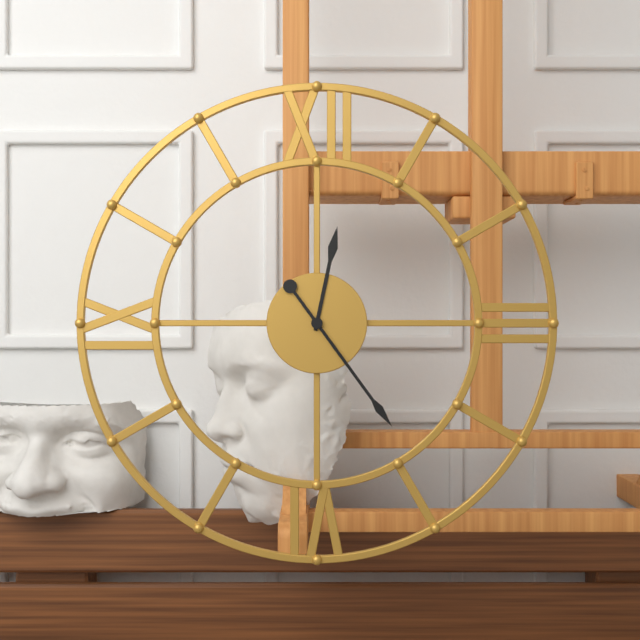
12:24
